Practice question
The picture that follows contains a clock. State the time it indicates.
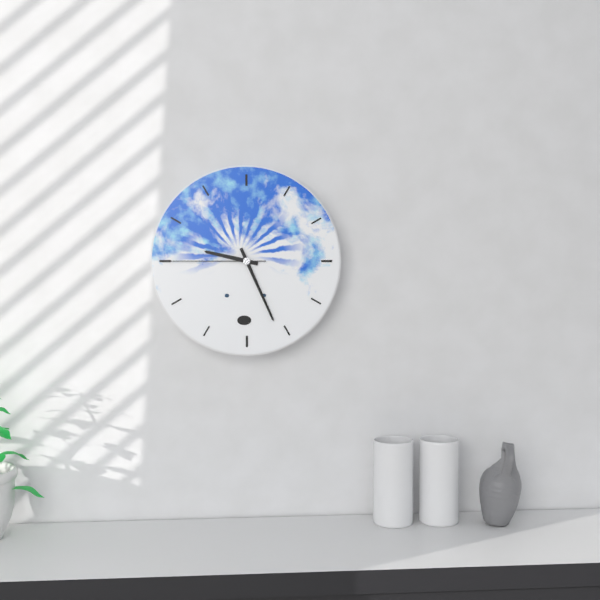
9:26:45
